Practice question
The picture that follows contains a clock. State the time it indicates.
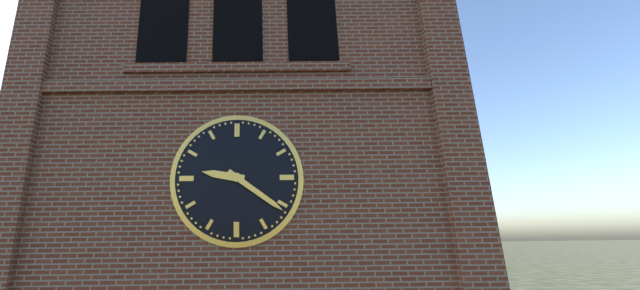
9:21
